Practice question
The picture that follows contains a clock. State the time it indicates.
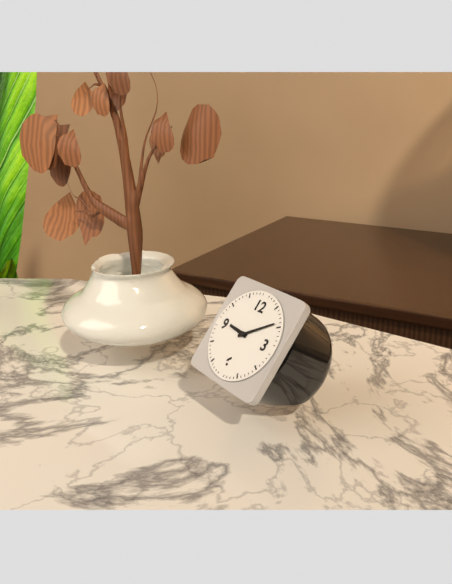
9:09
